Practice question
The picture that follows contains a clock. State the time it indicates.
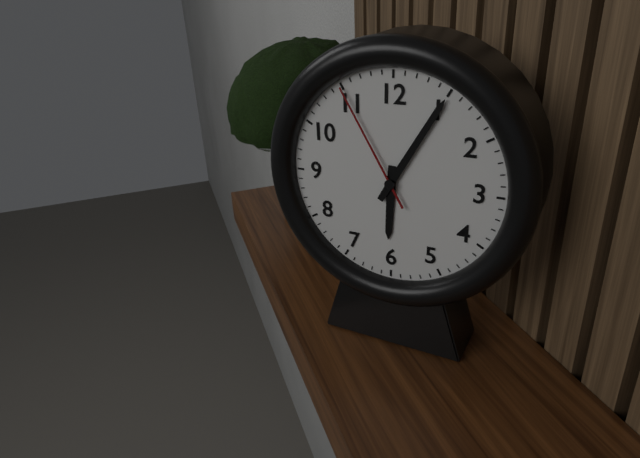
6:05:55
